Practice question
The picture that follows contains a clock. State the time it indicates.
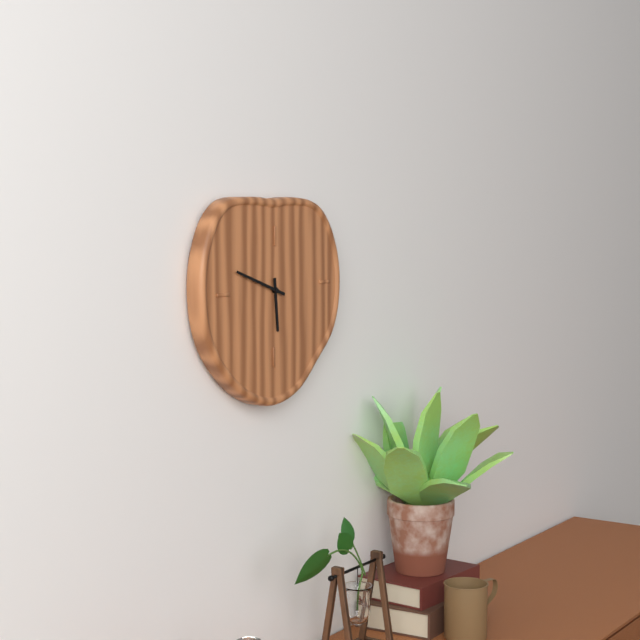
5:48
